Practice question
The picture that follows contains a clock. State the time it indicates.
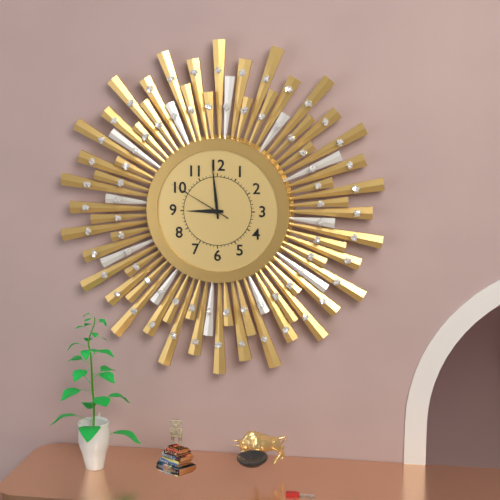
8:59:50
